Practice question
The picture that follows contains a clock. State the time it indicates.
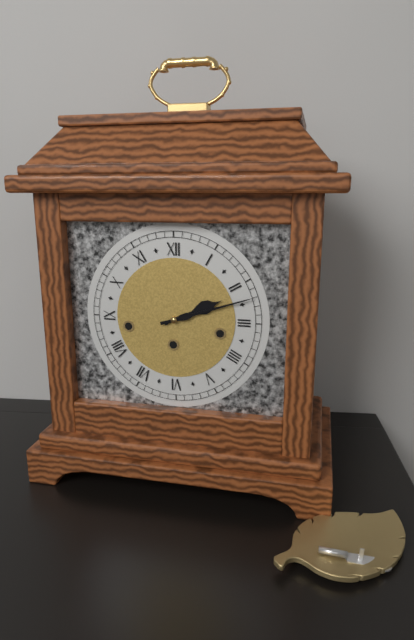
2:12
